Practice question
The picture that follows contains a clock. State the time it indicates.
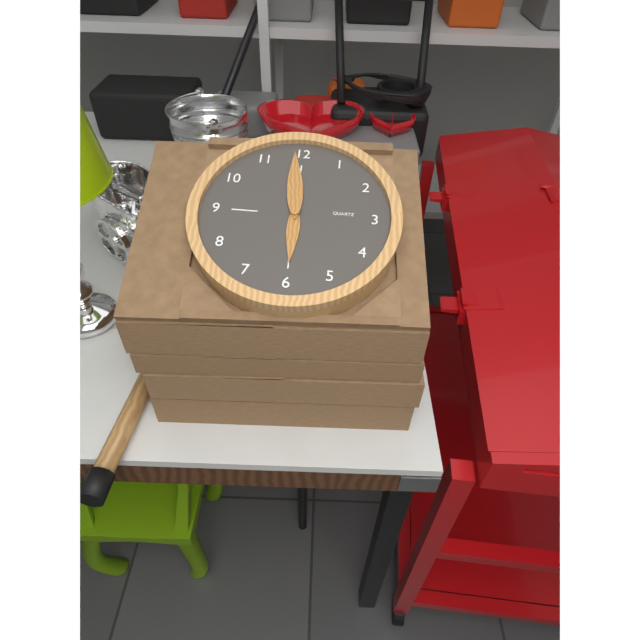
5:59
